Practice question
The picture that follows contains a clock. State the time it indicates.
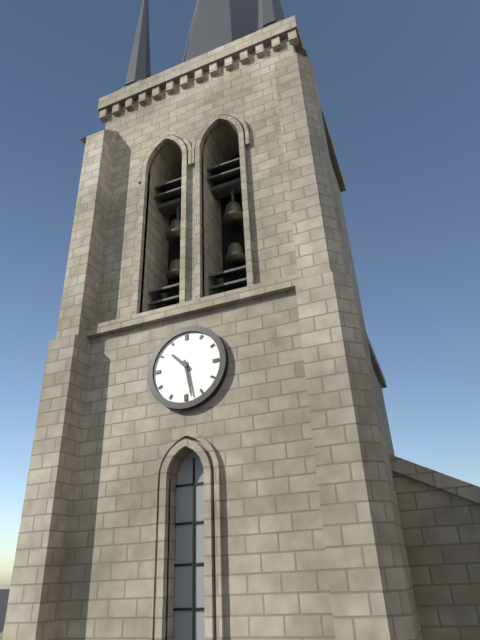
10:28
